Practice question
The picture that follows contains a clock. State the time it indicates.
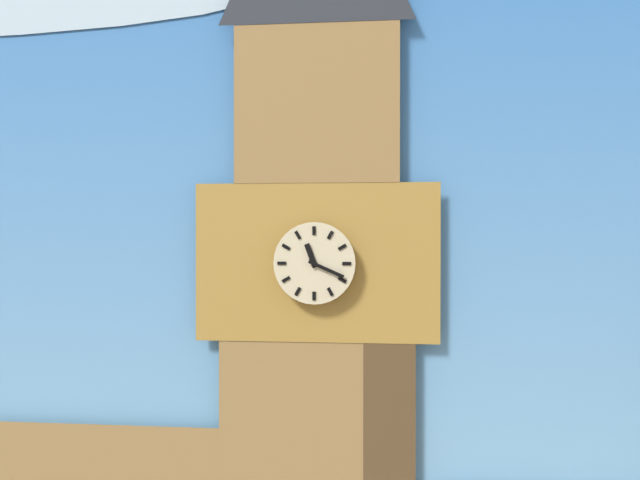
11:19
